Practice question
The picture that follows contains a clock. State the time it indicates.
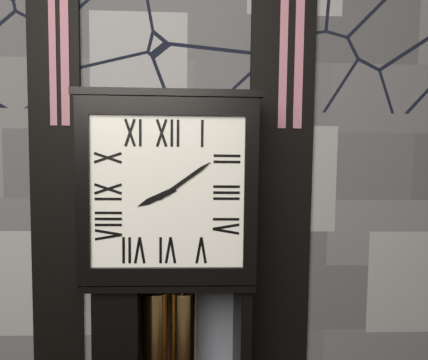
8:09
